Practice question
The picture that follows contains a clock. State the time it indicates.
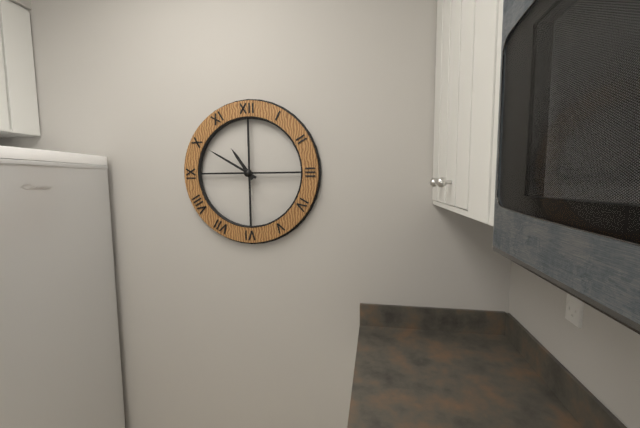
10:50
